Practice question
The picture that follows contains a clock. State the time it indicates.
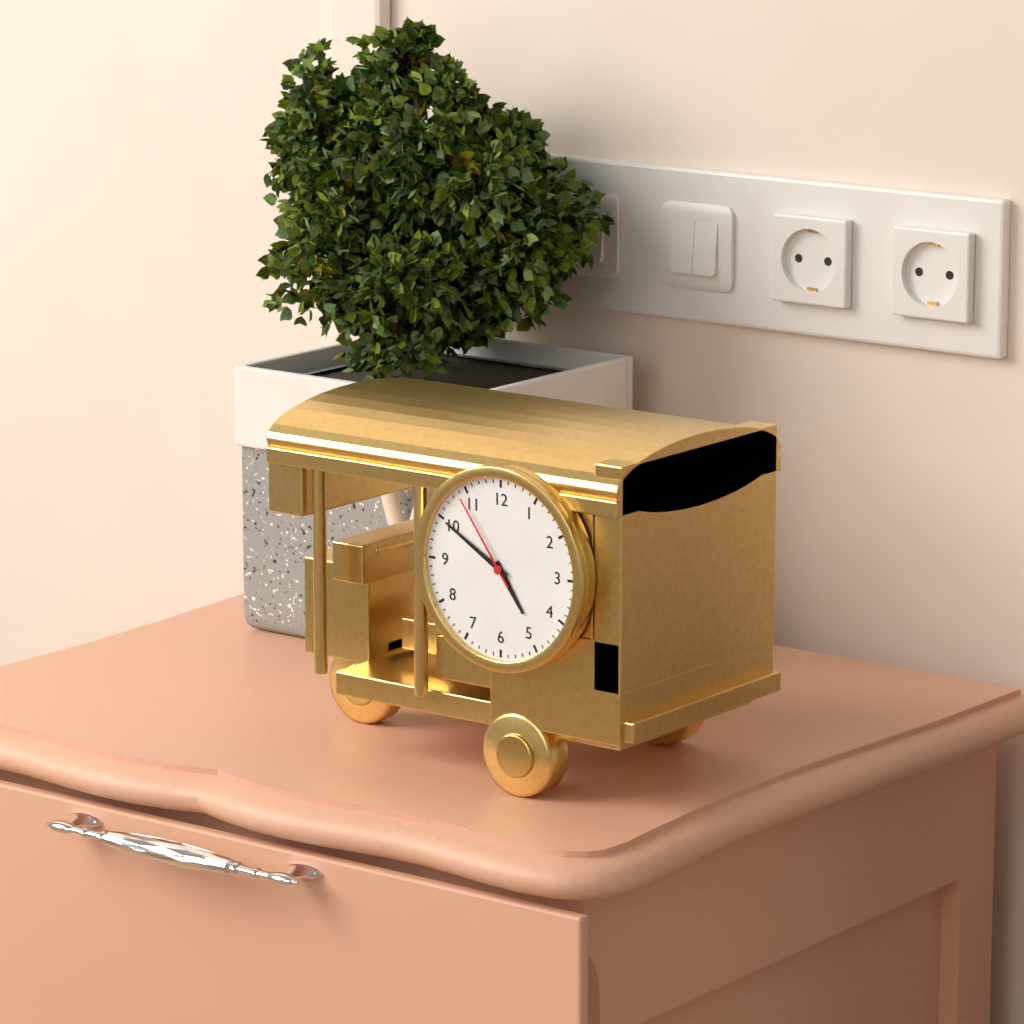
4:50:54
